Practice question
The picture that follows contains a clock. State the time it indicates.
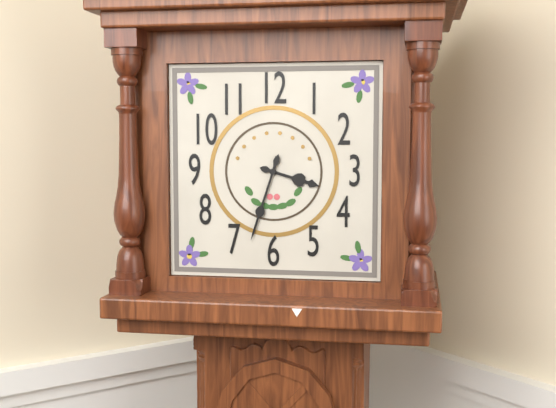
3:33
